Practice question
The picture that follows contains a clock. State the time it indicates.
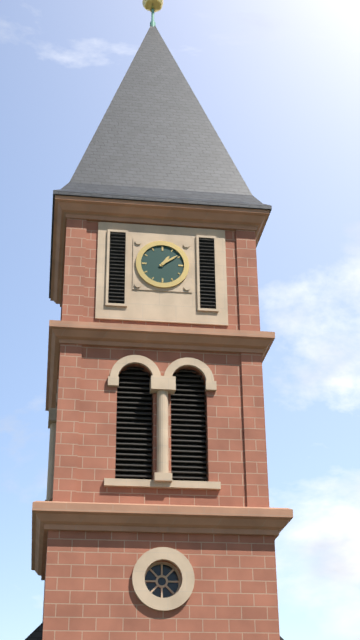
1:09
